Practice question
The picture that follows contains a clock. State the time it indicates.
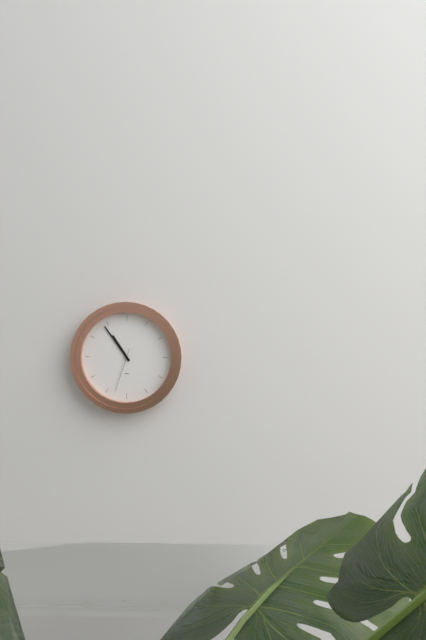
10:54
